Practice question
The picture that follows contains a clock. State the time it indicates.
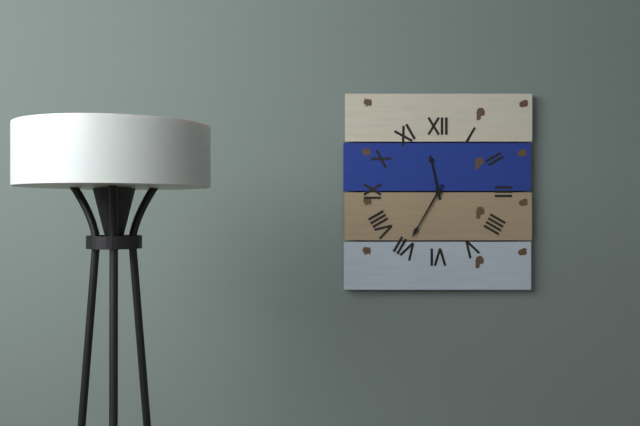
11:35
